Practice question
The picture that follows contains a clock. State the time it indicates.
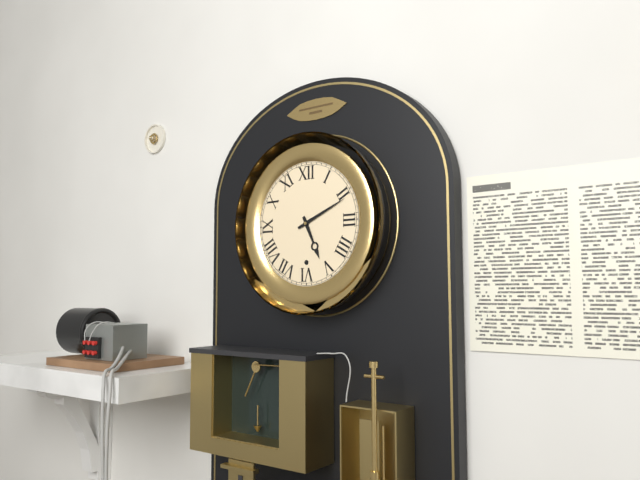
5:11
